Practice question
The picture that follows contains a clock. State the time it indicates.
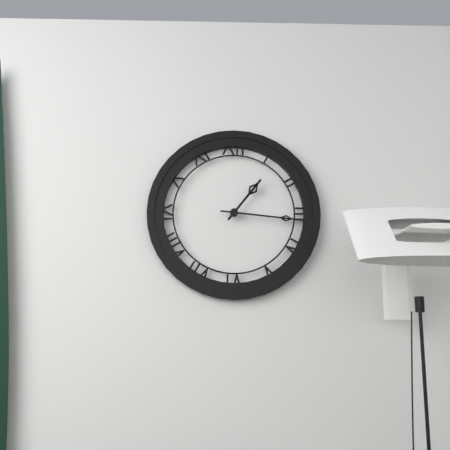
1:16
